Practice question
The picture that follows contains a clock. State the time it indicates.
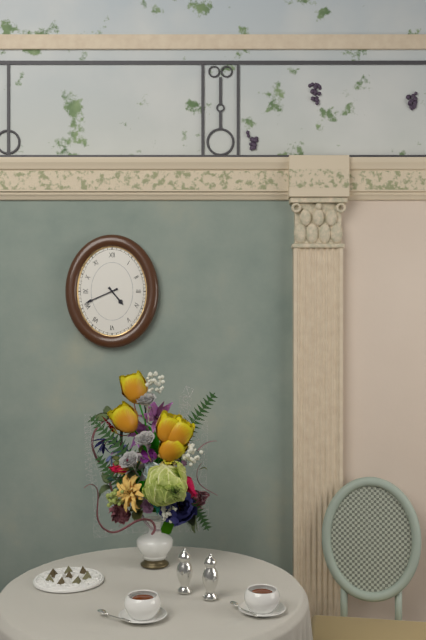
4:41
